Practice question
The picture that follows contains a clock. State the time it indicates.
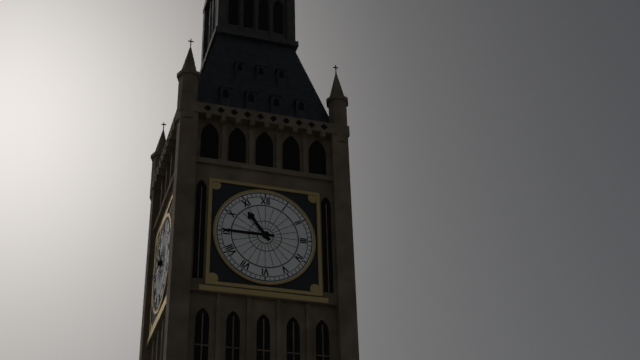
10:45
